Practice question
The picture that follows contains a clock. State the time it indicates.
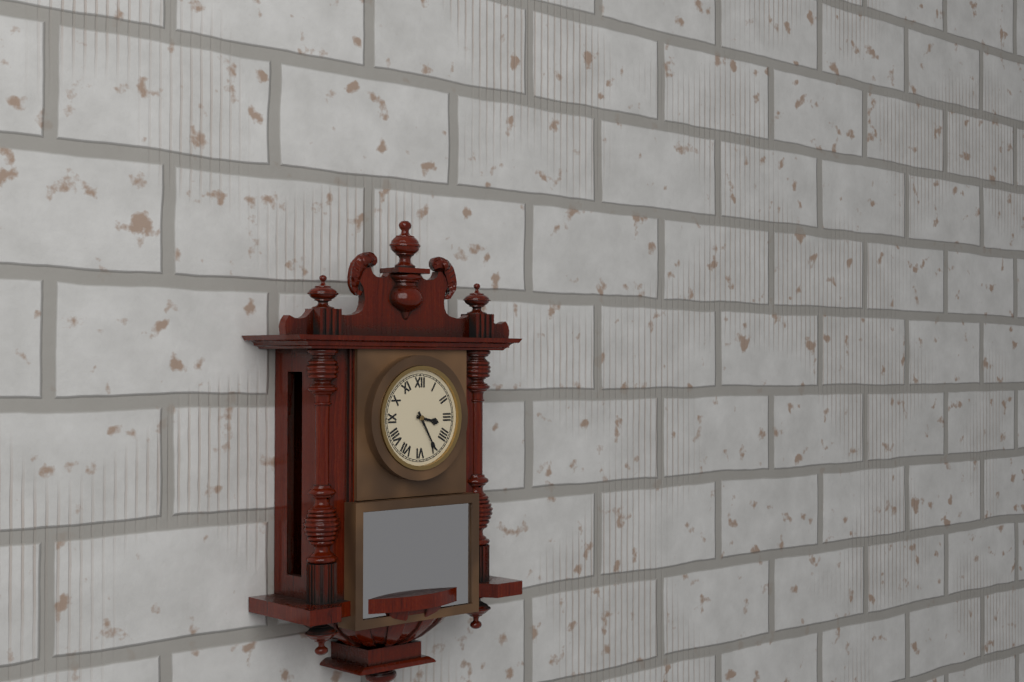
3:25
